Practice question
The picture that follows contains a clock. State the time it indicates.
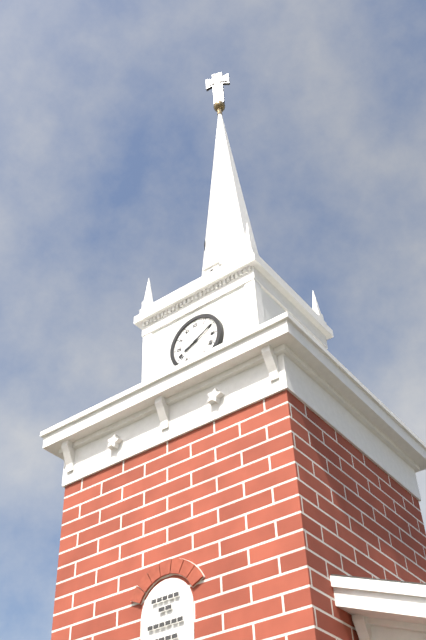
8:10
